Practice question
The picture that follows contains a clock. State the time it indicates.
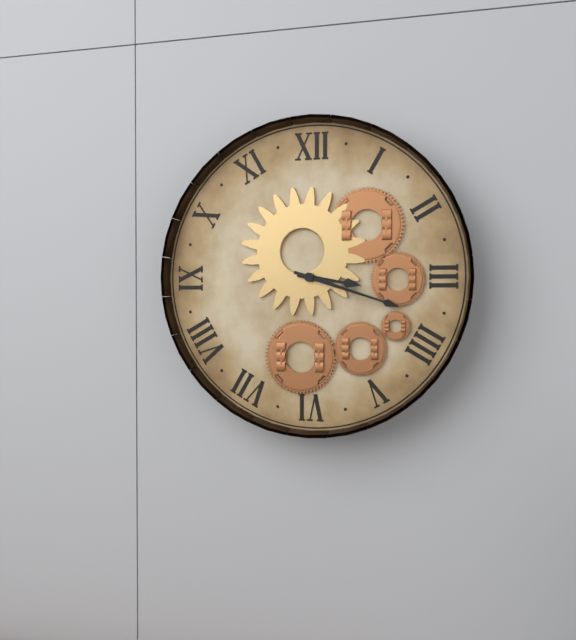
3:18
